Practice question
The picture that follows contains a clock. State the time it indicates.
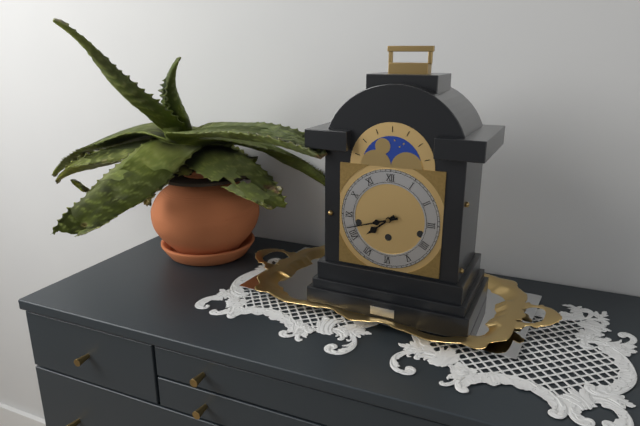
7:42
